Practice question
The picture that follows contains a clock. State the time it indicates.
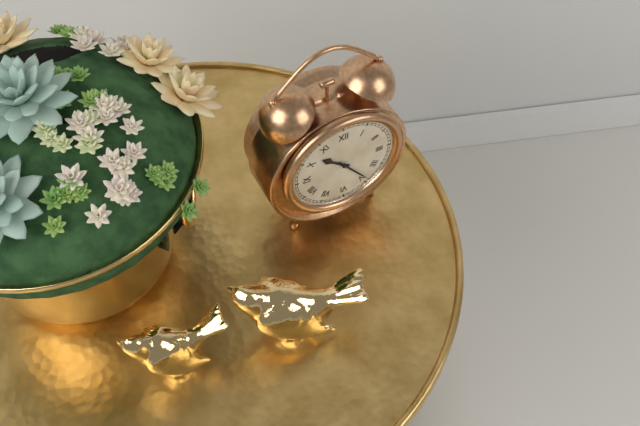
10:24
